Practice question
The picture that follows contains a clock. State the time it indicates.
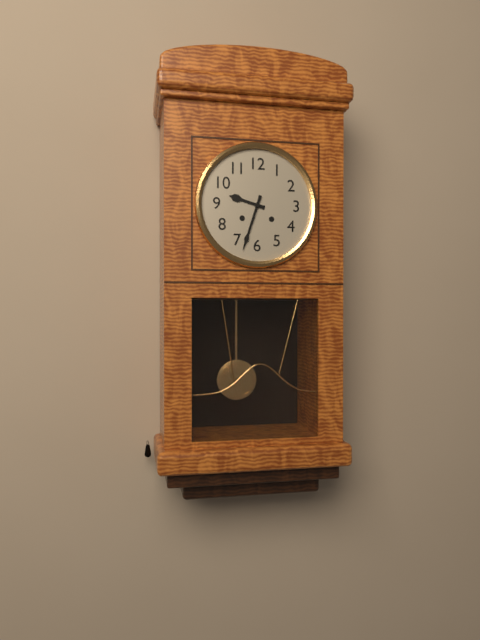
9:33
